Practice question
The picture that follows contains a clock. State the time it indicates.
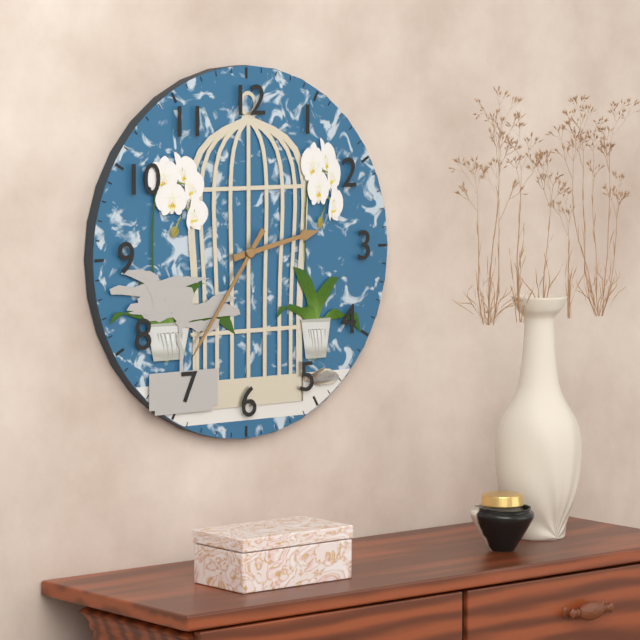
2:36
